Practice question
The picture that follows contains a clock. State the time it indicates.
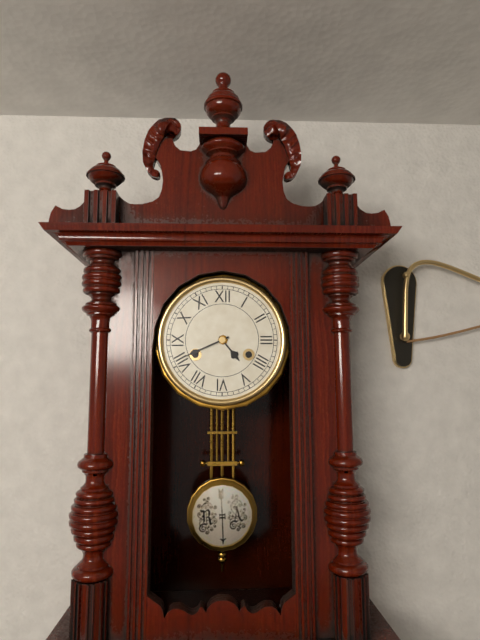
4:41
